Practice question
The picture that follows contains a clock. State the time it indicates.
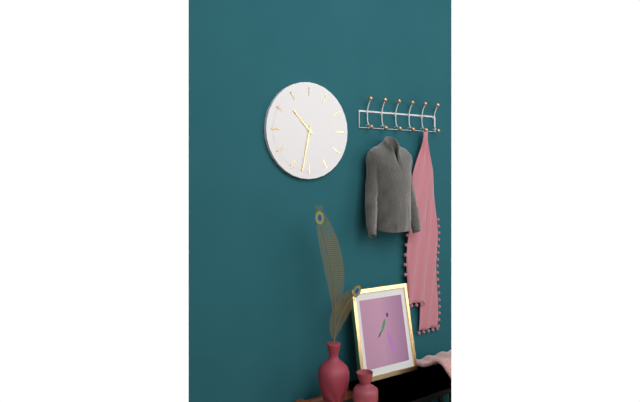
10:32
